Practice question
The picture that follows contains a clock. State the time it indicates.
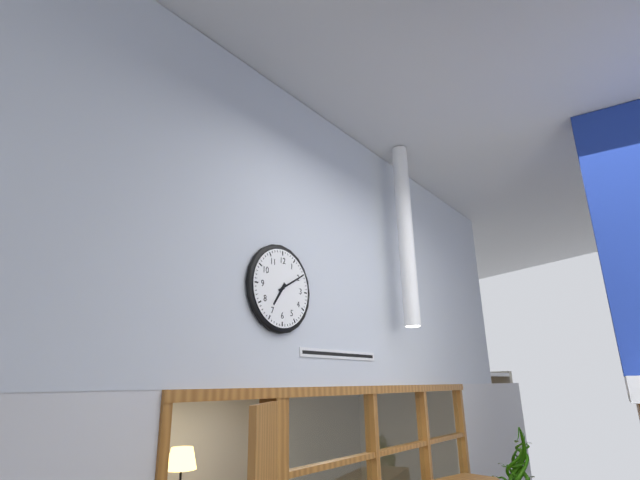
7:10
